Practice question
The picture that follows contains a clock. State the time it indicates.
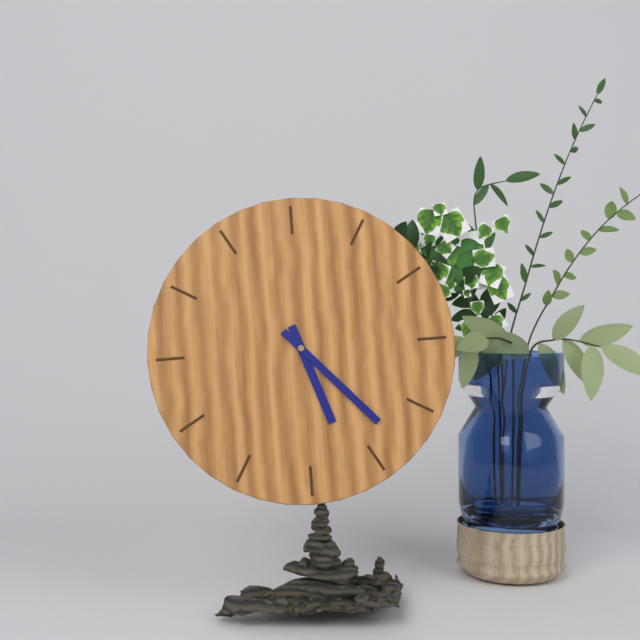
5:23
